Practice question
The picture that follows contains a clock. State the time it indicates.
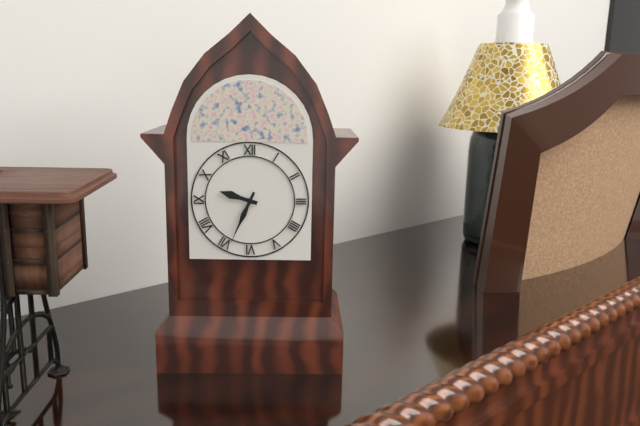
9:34
